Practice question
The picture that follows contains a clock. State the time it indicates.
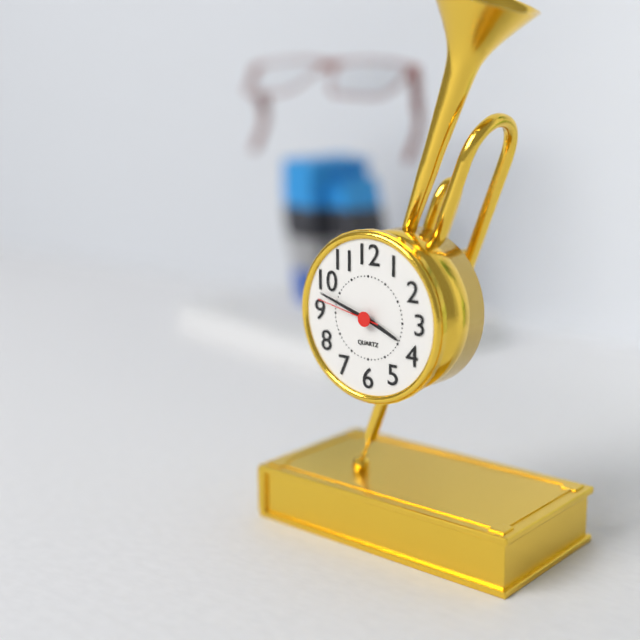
3:48:47
